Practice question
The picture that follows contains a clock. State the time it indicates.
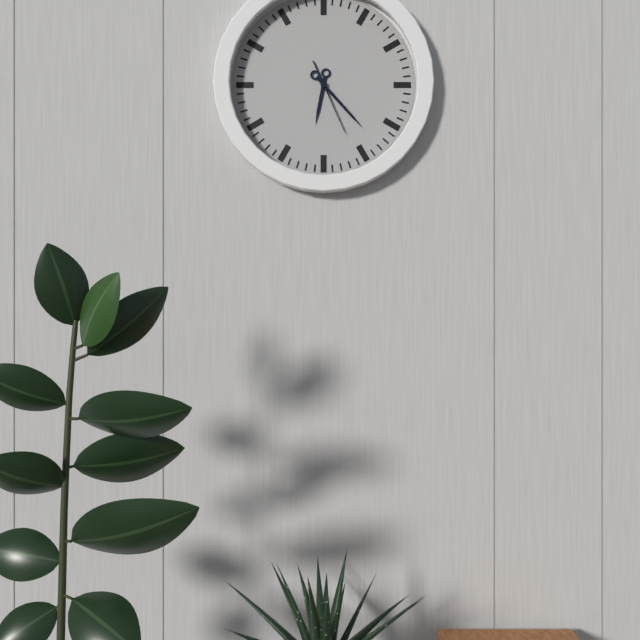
6:23:26
